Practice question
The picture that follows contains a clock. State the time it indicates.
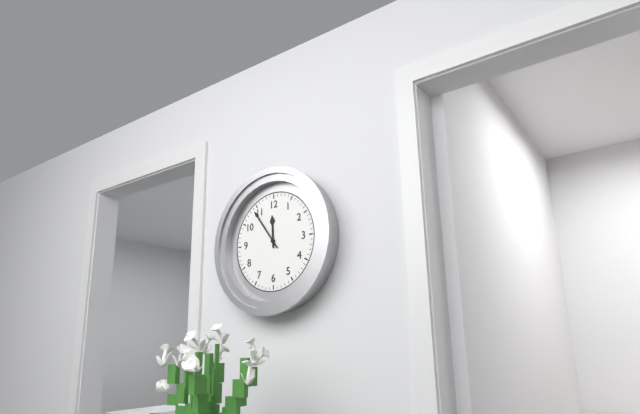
11:54
